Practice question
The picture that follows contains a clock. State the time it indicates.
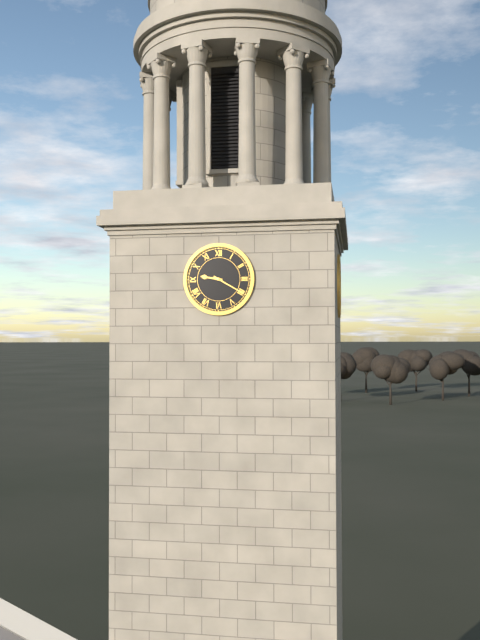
9:20
